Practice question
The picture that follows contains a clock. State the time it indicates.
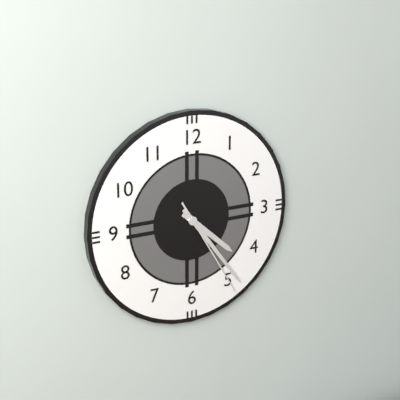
4:24:25
